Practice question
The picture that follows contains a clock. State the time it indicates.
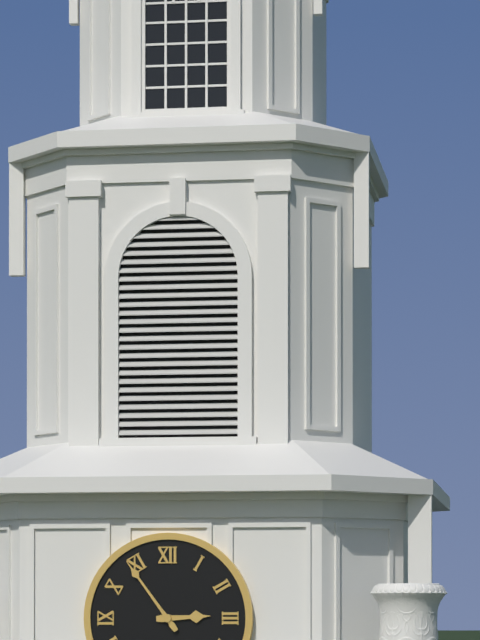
2:54
